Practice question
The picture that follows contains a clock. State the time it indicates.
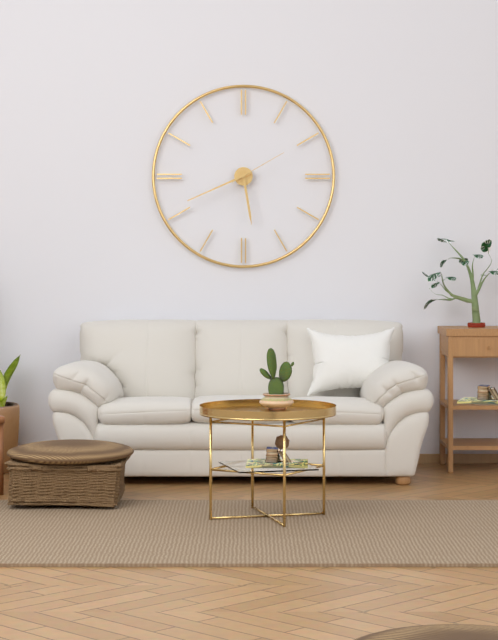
5:41:10
